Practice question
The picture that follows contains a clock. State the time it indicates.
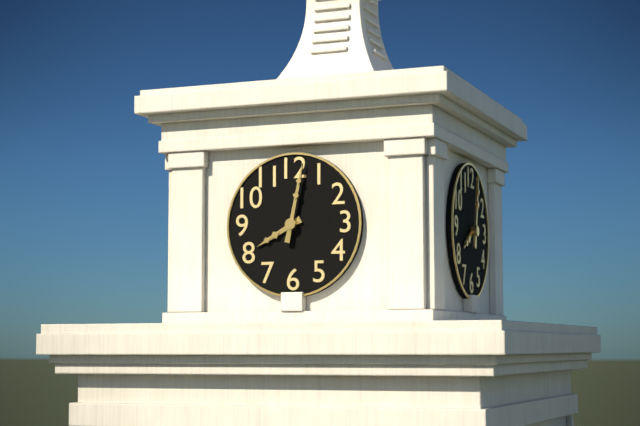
8:02
